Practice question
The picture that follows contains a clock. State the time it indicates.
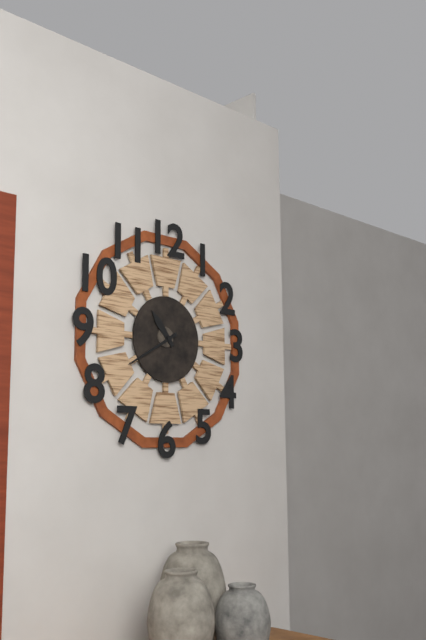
10:40
